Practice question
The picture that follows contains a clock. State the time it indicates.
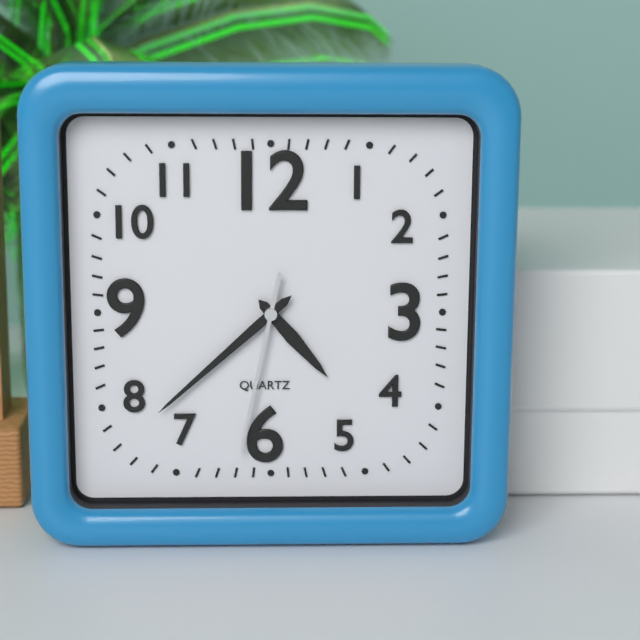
4:38:32
